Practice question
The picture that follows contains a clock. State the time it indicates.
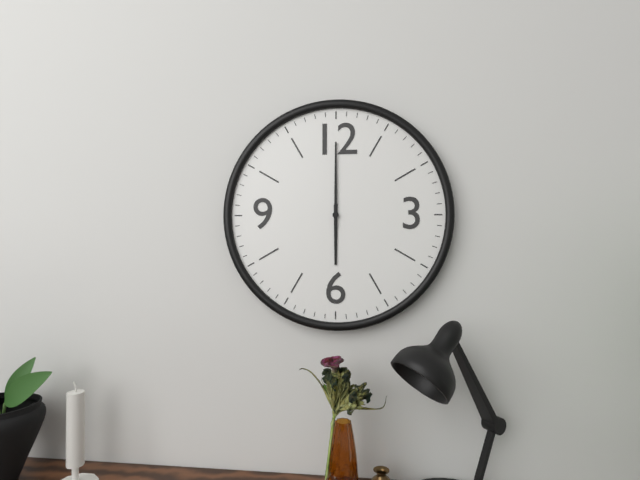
6:00
